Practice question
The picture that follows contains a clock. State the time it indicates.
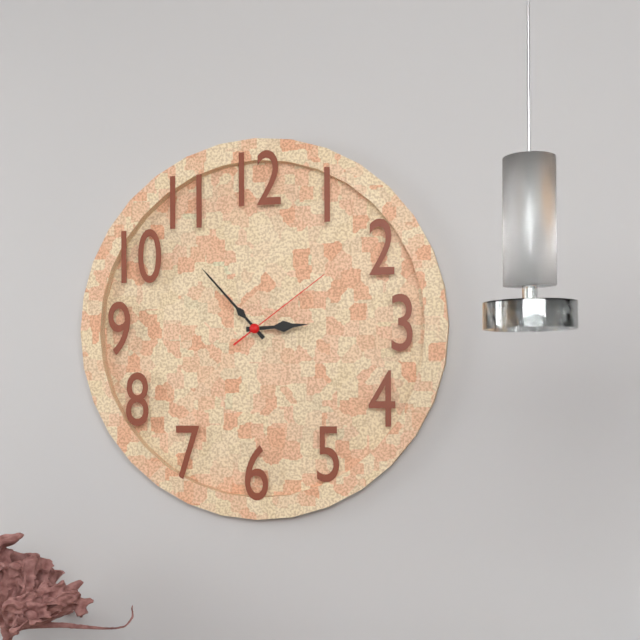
2:53:09
